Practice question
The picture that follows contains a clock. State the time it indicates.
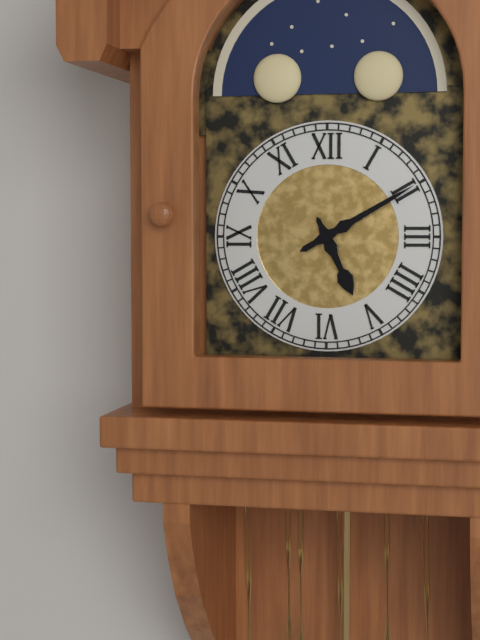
5:10
